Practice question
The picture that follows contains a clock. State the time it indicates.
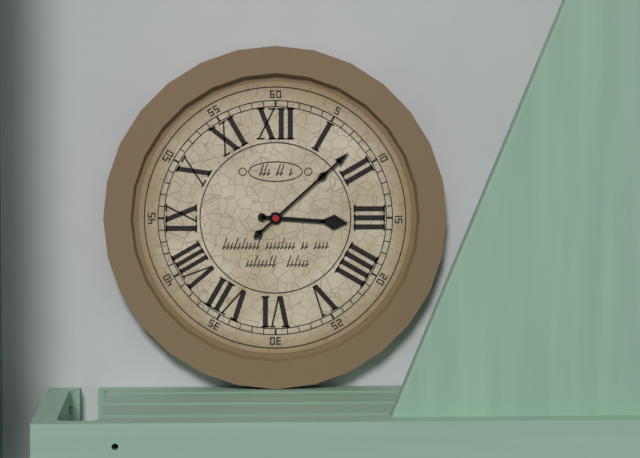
3:08
